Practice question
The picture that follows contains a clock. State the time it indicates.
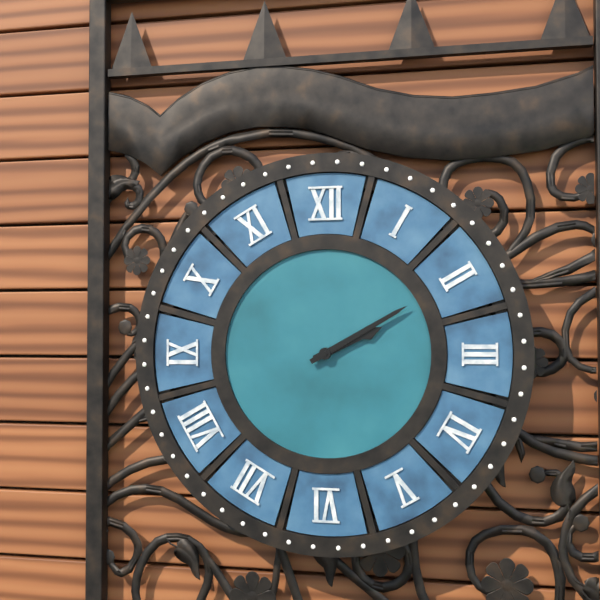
2:10
